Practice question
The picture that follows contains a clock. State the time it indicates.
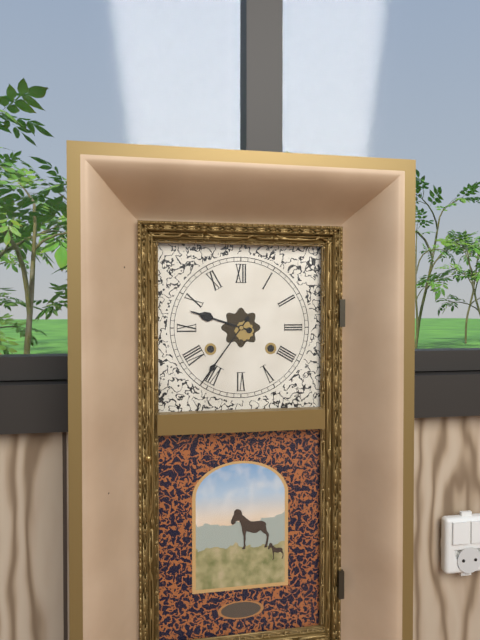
9:36
